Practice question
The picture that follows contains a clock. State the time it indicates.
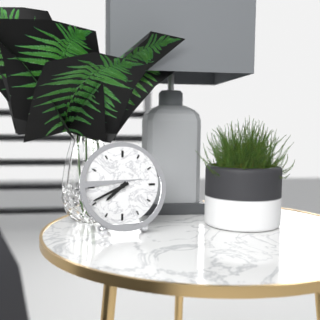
7:41
